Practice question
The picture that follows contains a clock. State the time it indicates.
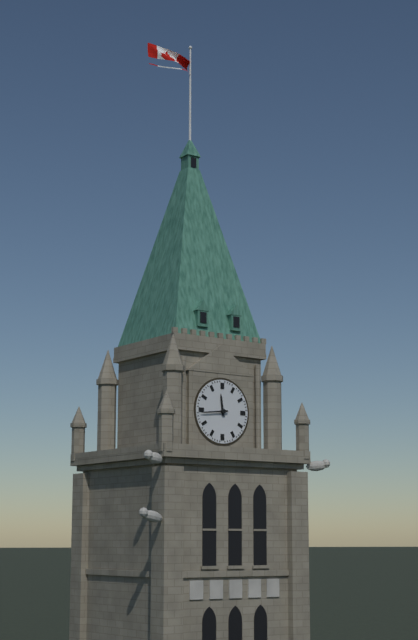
11:44
